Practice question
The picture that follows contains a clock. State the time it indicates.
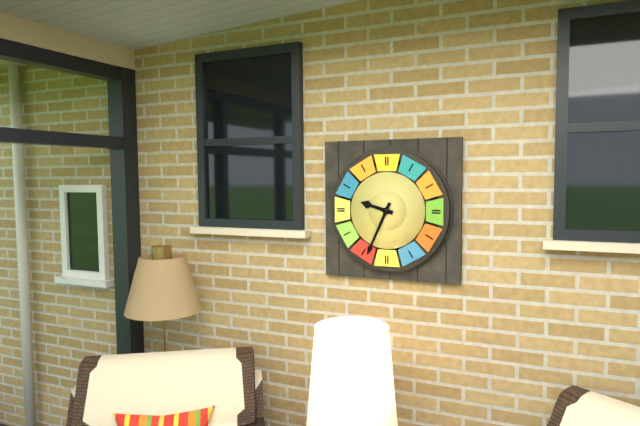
9:34
